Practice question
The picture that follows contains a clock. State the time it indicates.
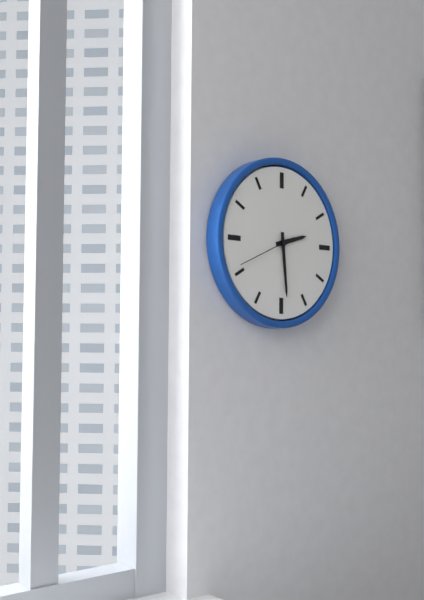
2:29
